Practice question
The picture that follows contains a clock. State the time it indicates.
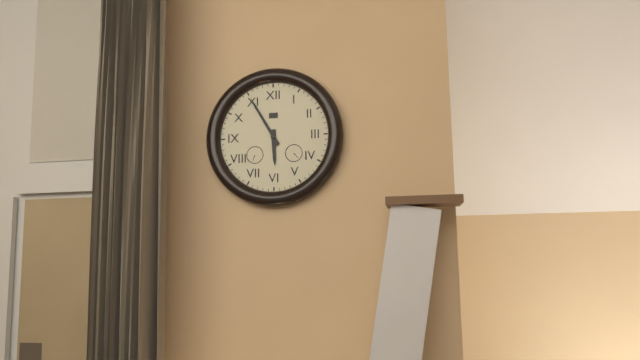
5:55
